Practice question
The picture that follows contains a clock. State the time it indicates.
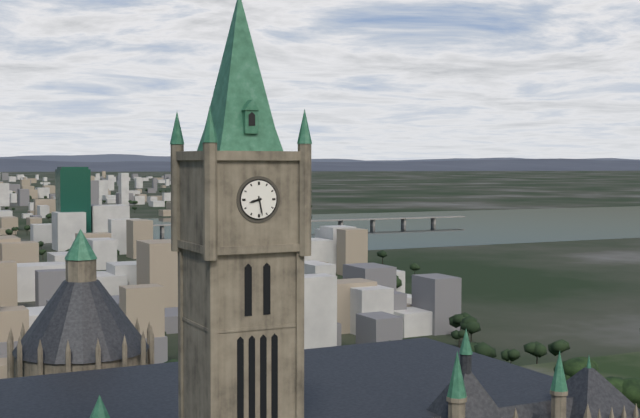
8:28
